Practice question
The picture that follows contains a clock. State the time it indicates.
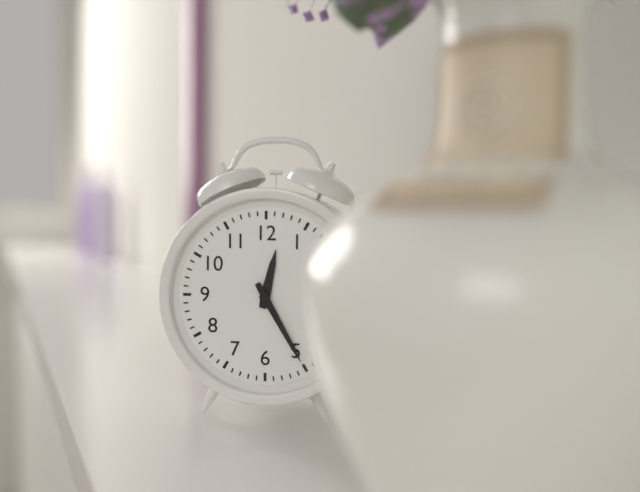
12:25
